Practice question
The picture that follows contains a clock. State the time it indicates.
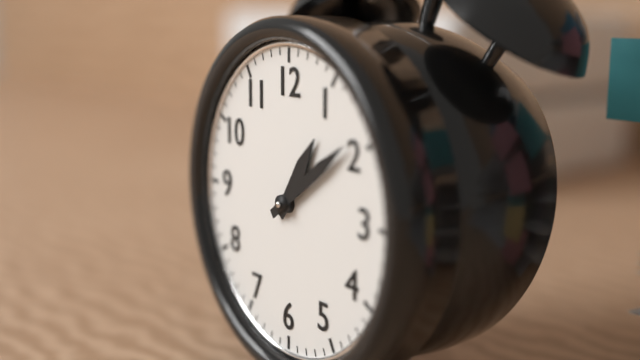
1:09
